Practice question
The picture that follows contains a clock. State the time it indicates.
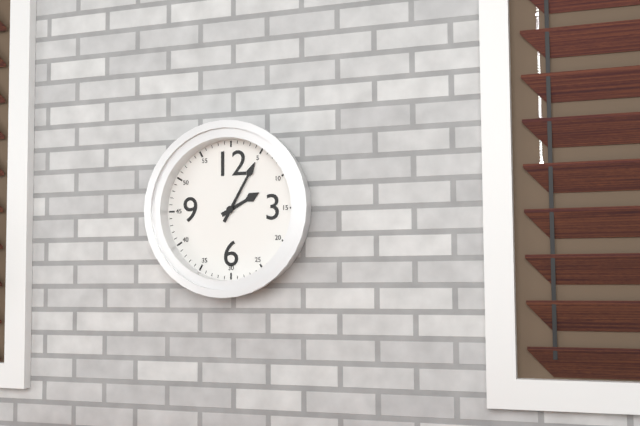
2:05
